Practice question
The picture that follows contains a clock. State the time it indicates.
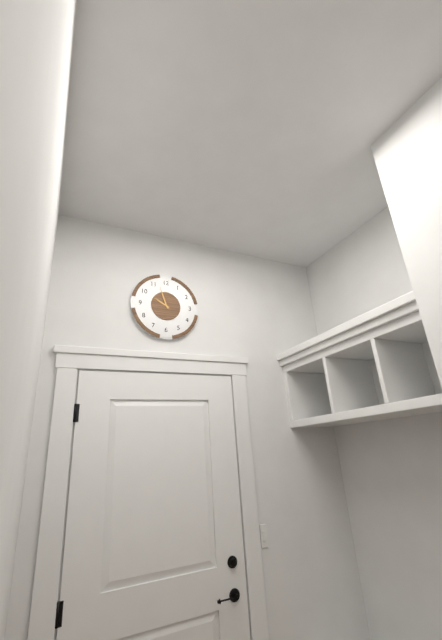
9:57
